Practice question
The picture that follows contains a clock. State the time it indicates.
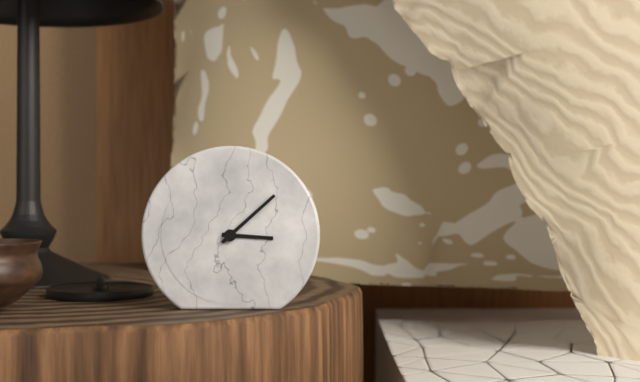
3:08
